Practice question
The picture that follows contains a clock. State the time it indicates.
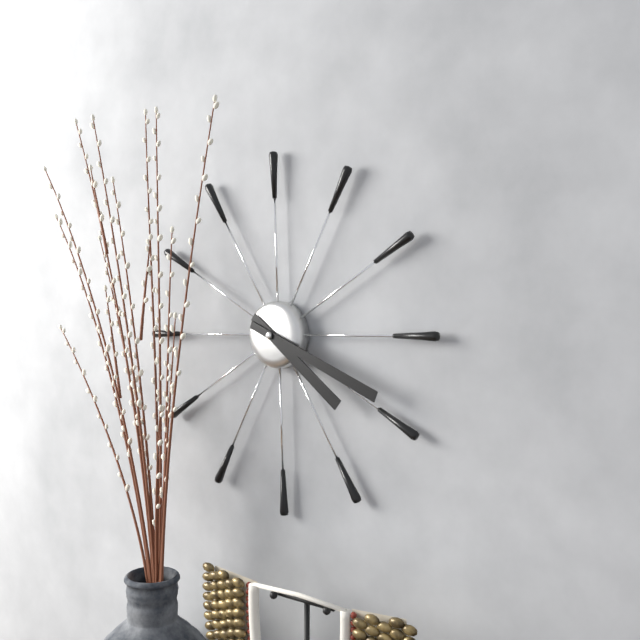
4:19
